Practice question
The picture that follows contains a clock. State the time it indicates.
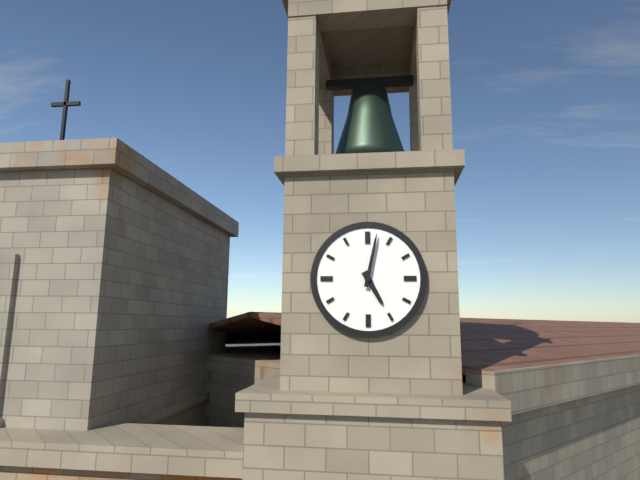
5:02
